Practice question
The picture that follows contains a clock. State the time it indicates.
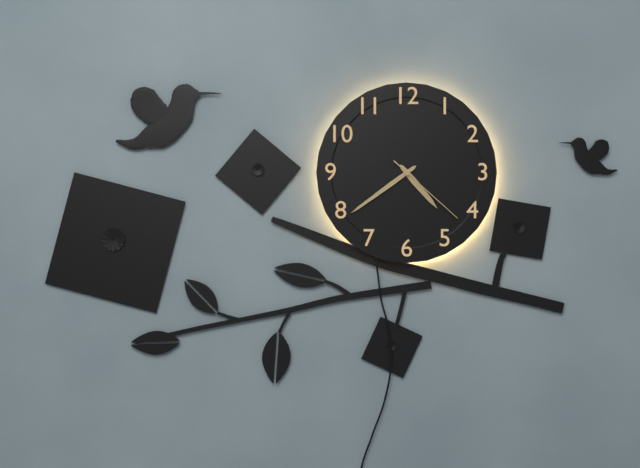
4:39:22
